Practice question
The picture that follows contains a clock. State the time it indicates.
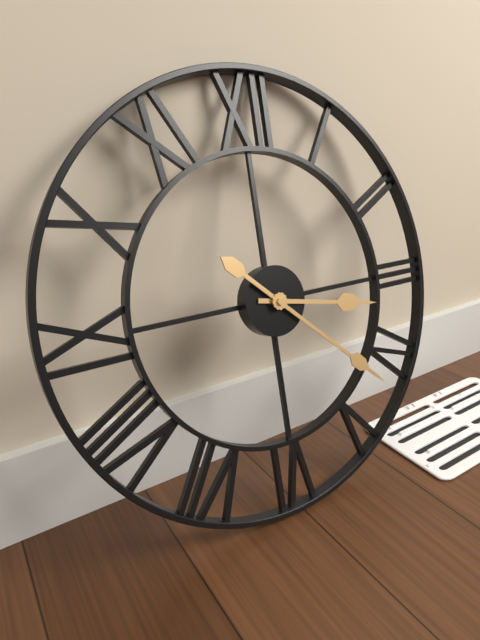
3:22
